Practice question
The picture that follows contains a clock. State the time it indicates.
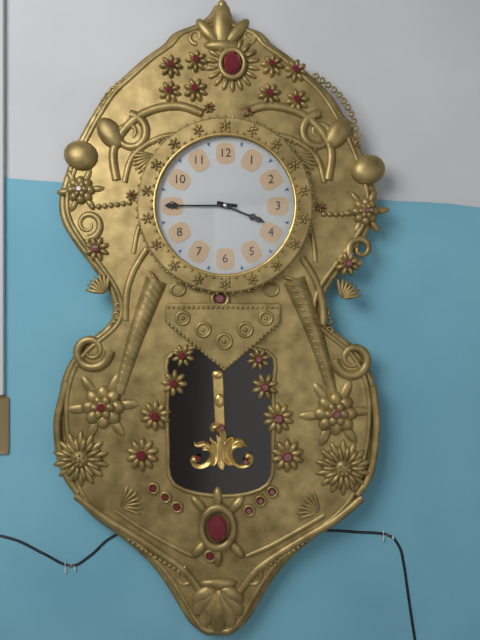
3:45
